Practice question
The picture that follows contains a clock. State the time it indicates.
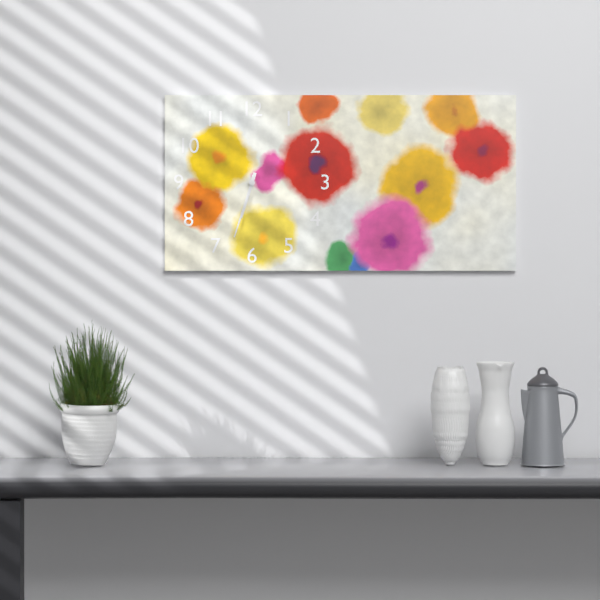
6:33
